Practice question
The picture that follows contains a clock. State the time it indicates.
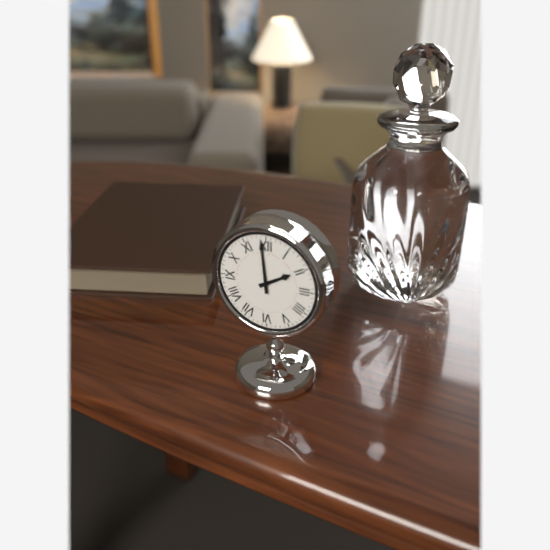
1:59
